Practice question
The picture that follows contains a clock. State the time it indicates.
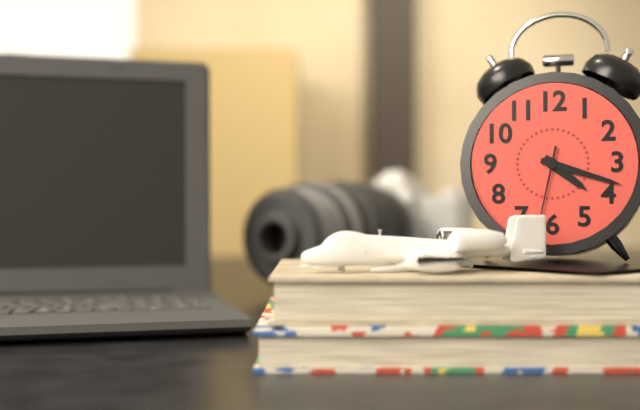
4:18:32
